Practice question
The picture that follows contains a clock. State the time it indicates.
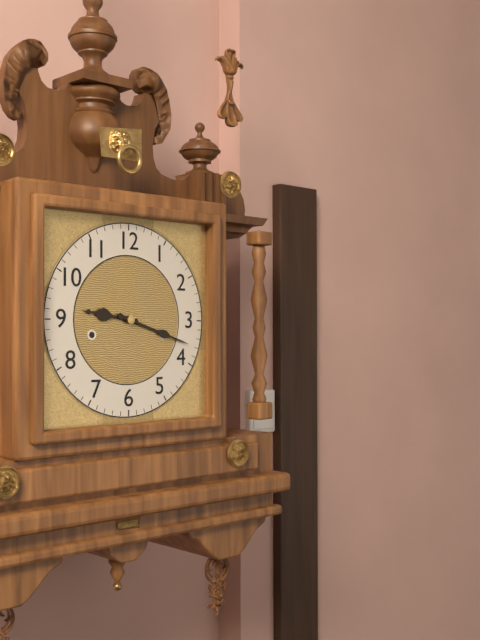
9:18
